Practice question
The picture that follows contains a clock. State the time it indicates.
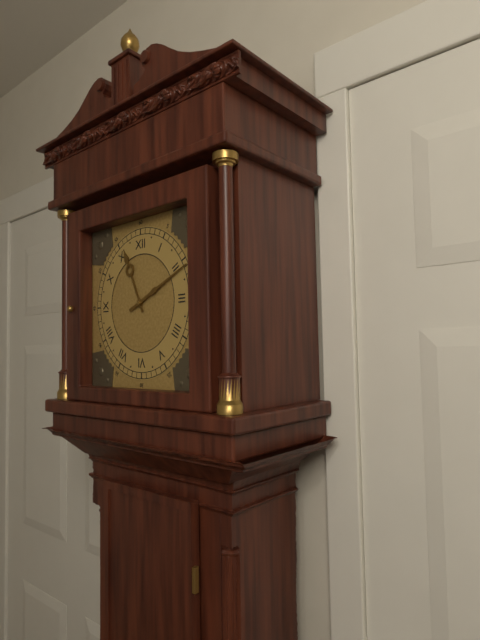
11:11
